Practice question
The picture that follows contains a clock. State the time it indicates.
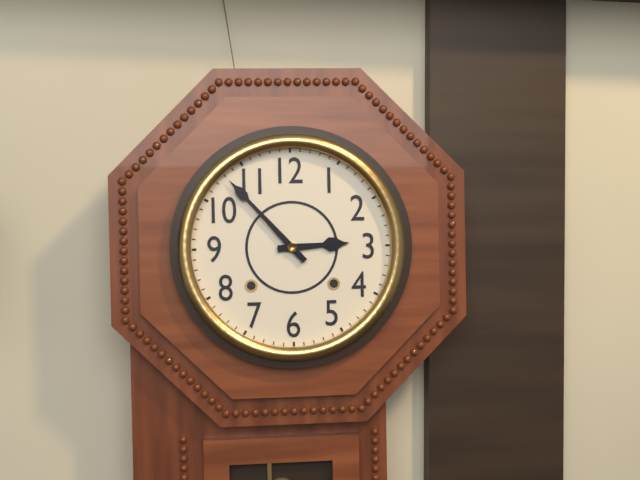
2:53
